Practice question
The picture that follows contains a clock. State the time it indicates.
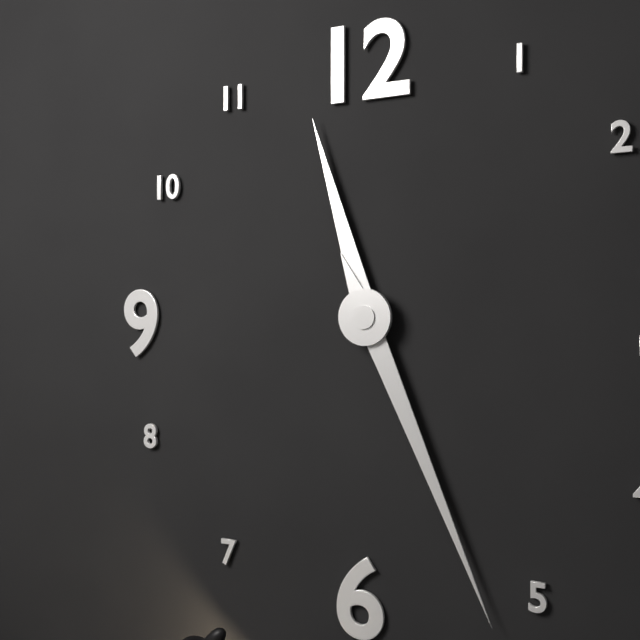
11:26
